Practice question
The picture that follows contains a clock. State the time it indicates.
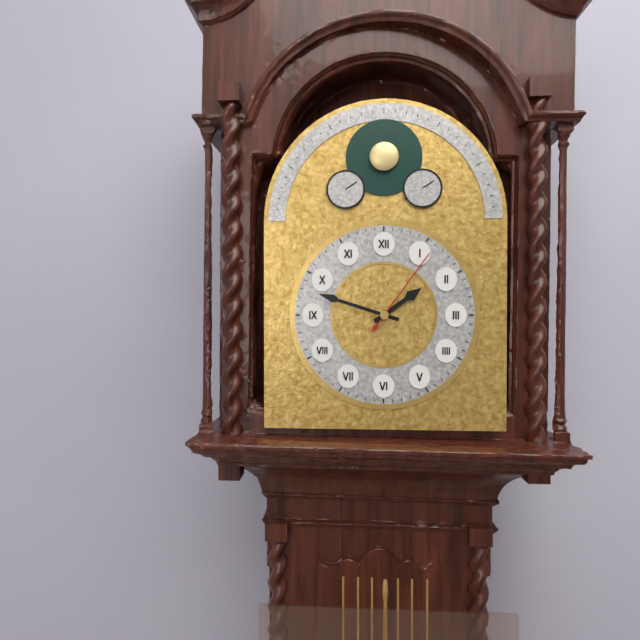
1:48:06
